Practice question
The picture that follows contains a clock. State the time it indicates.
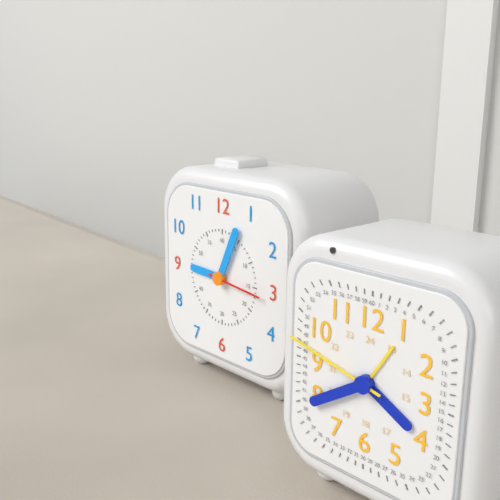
9:04:16
